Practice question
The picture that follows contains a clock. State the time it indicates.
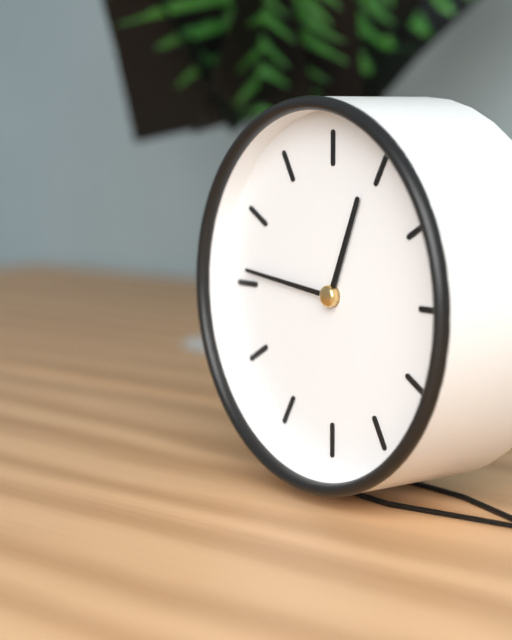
12:46
